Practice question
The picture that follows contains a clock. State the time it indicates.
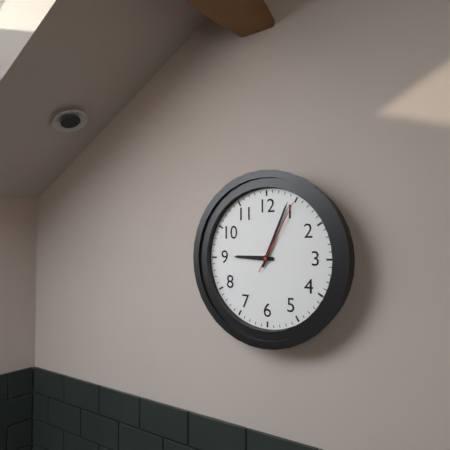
9:04:05
